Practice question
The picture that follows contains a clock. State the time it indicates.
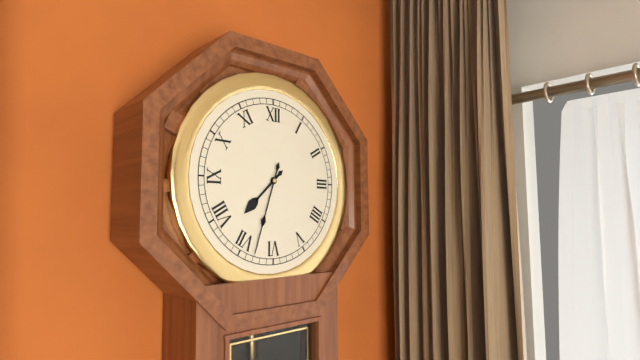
7:33
